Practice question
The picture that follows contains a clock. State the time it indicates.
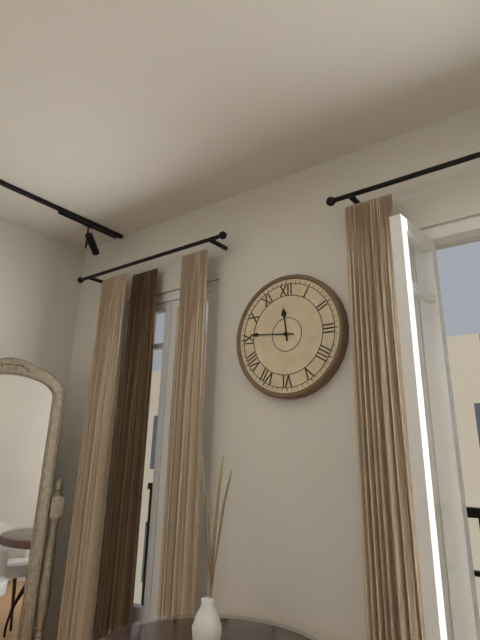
11:46
